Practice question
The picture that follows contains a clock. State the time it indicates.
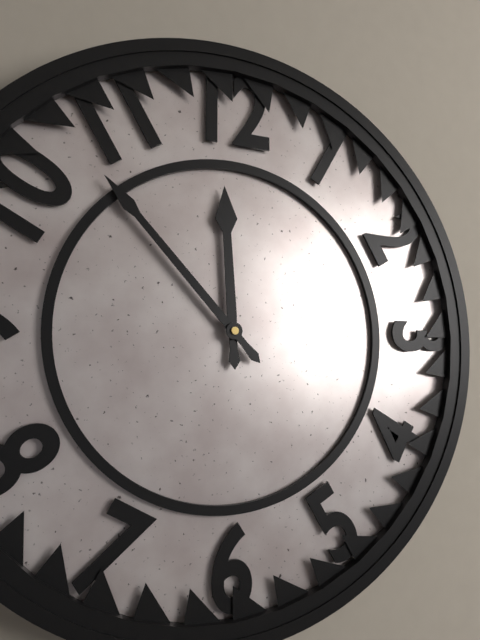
11:53
